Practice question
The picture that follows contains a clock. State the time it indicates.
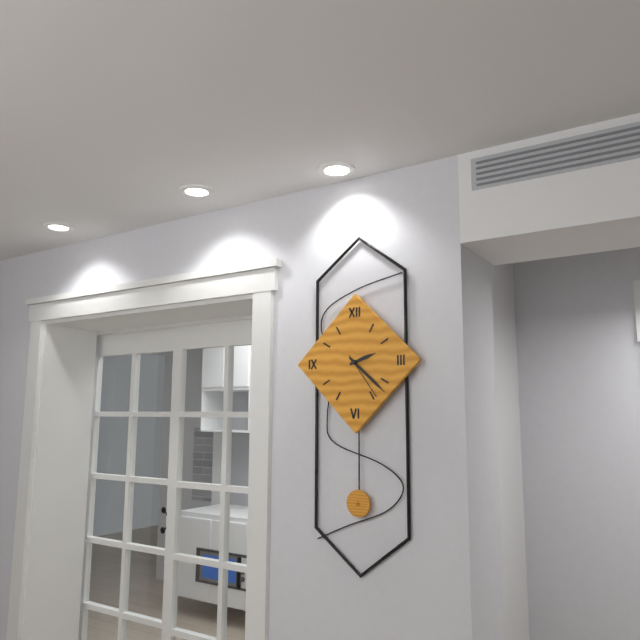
2:22
